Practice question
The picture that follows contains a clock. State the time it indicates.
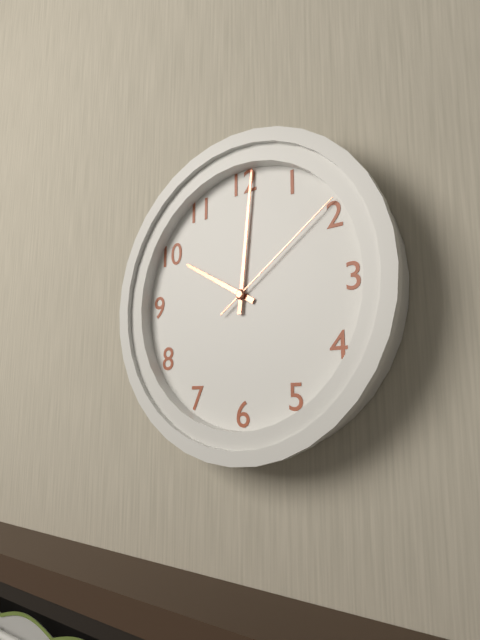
10:01:09
